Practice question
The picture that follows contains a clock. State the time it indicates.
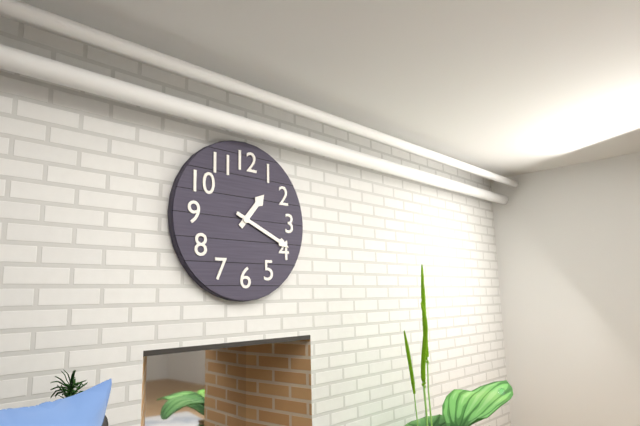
1:19
